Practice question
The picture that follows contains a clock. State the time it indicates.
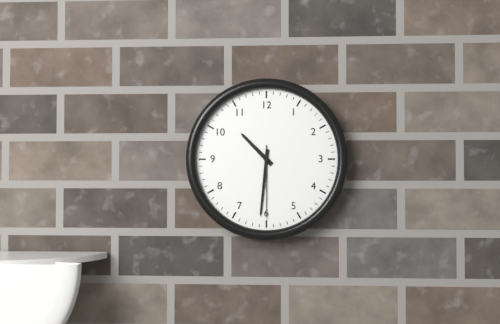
10:31:30
